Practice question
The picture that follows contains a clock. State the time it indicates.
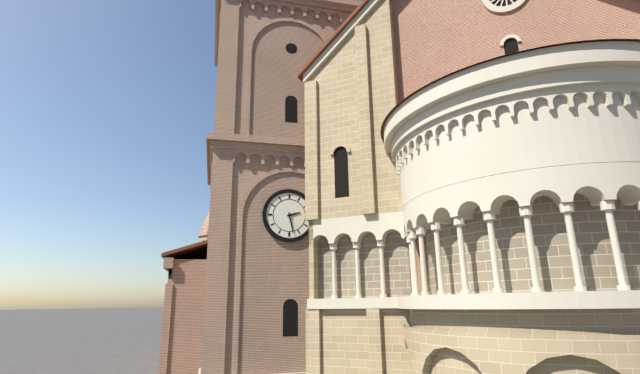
2:28
